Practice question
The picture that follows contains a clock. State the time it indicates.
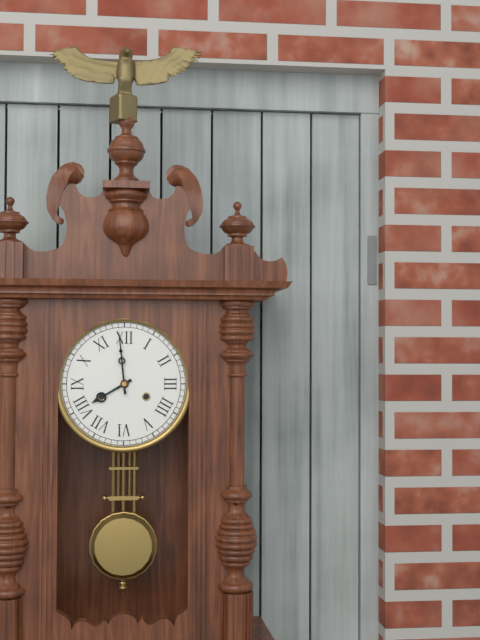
7:59
